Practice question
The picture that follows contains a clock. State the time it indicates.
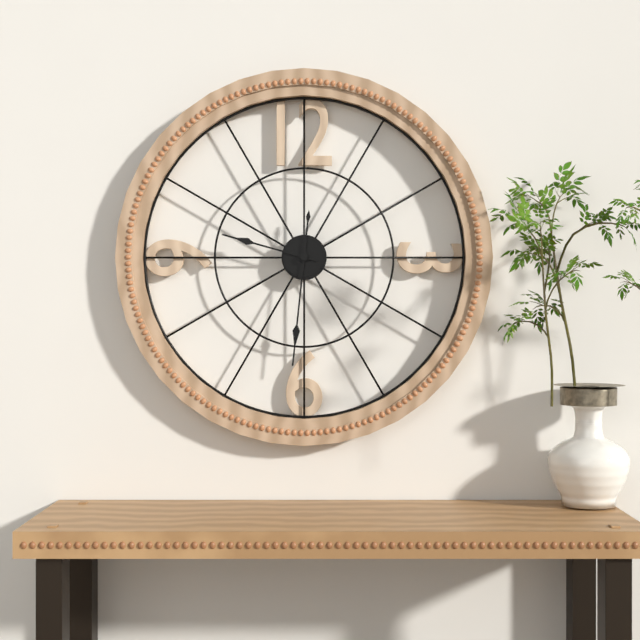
9:31
